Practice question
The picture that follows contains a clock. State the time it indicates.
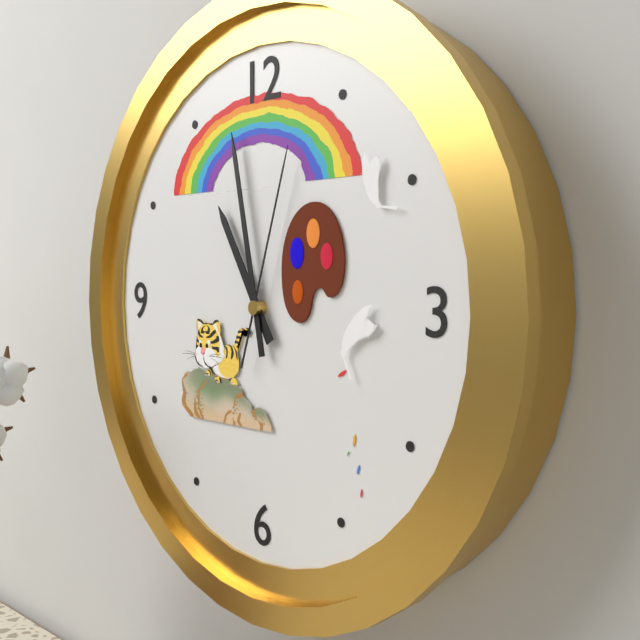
10:58:03
